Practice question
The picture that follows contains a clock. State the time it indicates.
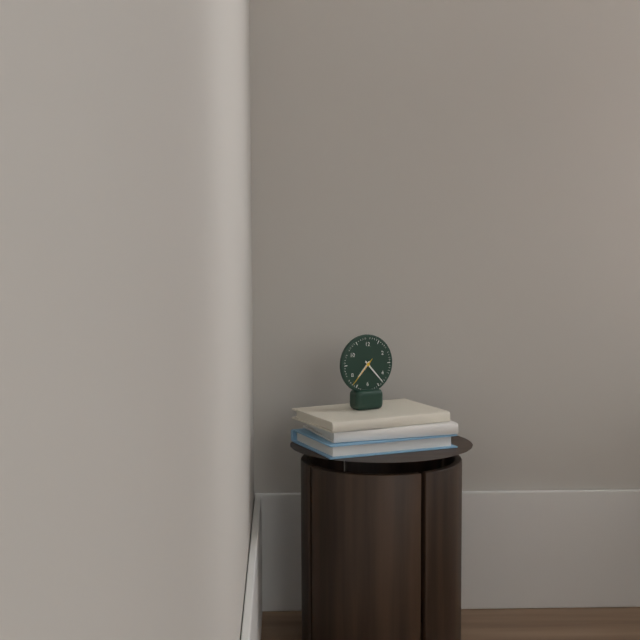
7:23
